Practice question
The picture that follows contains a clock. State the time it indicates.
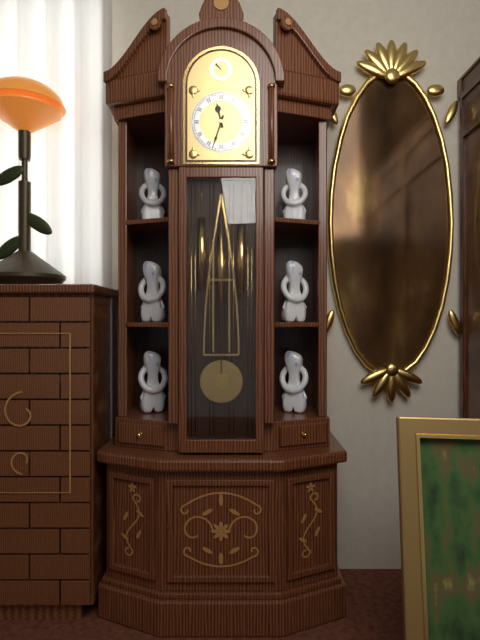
11:33
